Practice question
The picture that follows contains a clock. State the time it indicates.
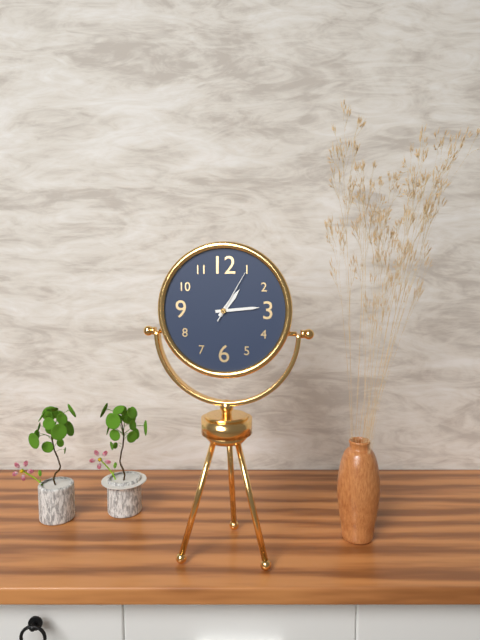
1:14:05
